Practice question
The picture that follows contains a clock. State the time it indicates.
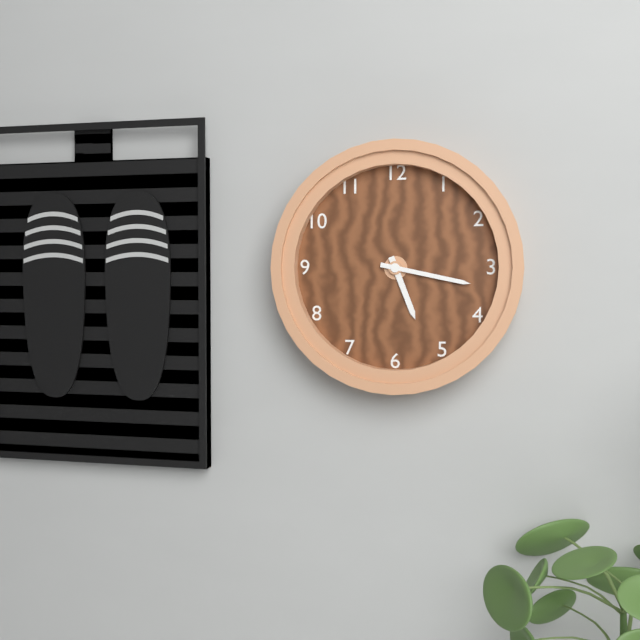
5:17
